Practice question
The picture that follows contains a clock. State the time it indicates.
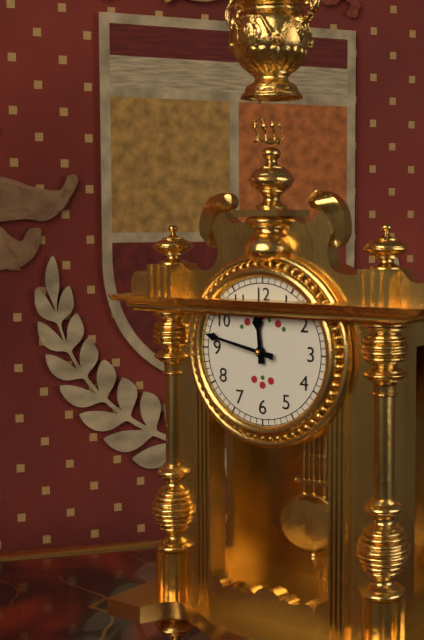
11:47
